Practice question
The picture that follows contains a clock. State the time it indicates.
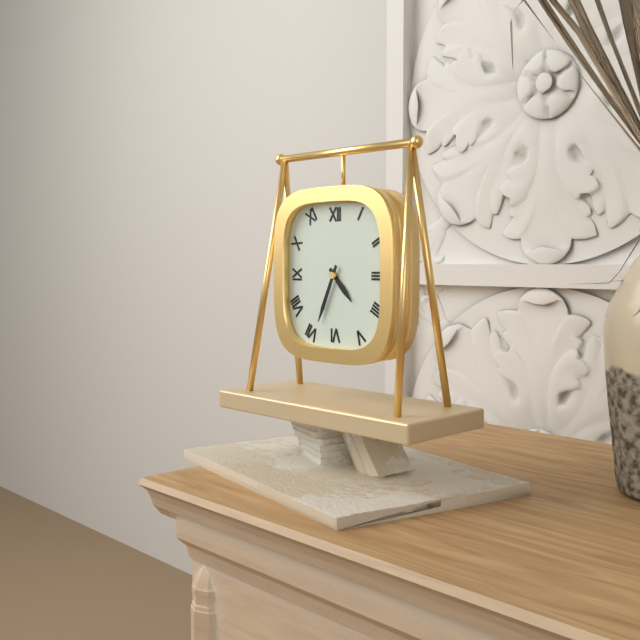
4:34
